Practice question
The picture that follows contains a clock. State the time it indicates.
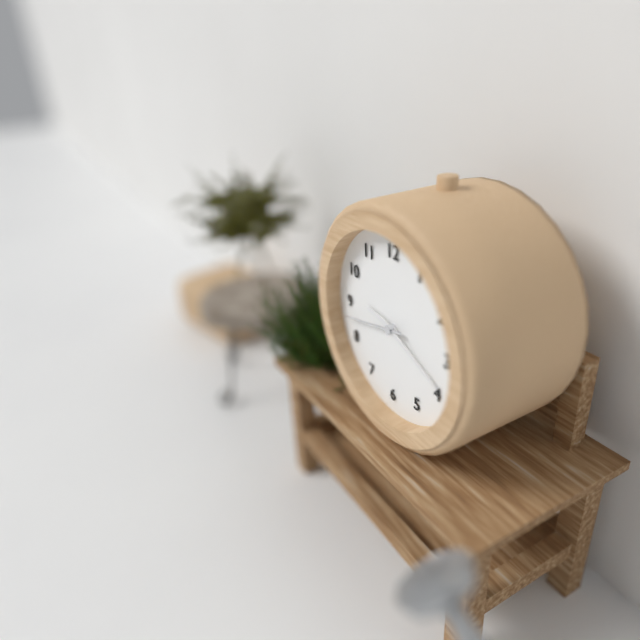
9:19:43
